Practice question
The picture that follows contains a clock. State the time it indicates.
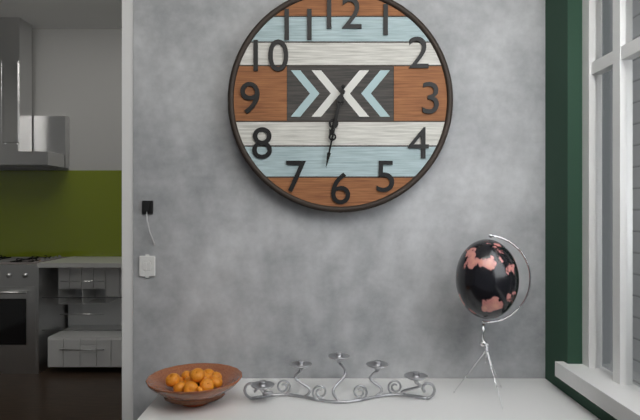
6:32
